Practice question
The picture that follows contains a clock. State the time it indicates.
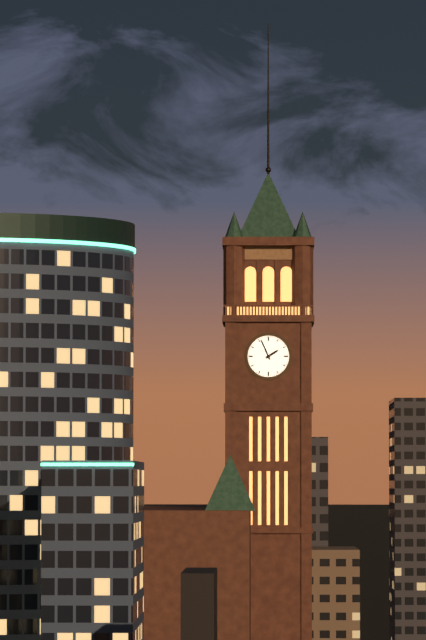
1:56
